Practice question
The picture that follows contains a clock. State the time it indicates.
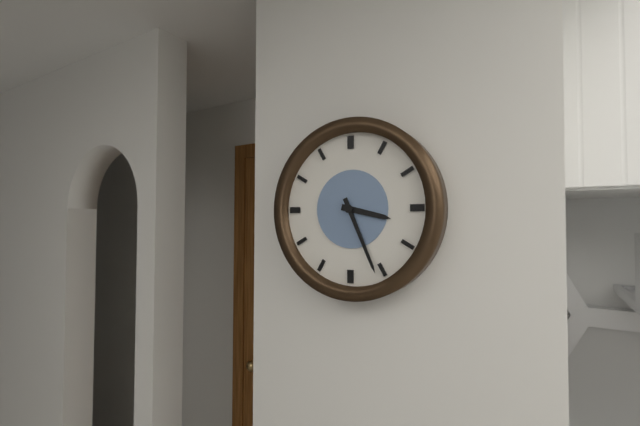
3:26
